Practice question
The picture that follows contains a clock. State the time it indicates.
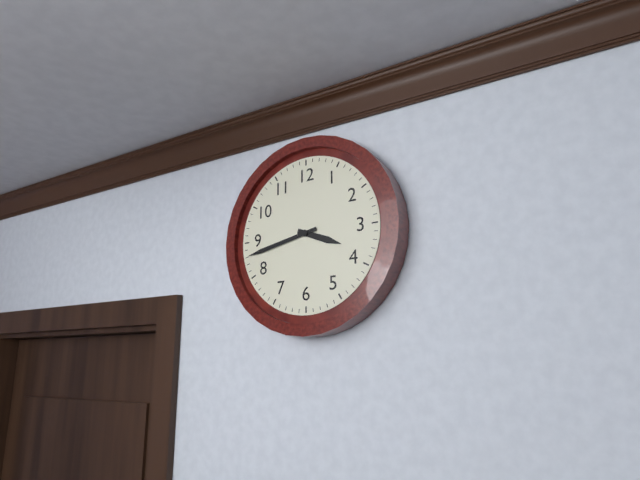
3:43
